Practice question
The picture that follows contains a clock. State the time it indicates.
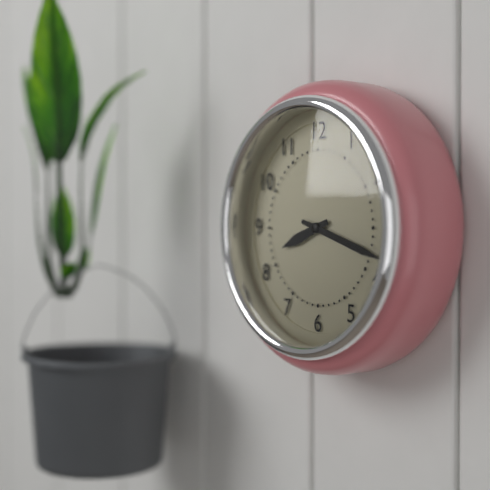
8:18
